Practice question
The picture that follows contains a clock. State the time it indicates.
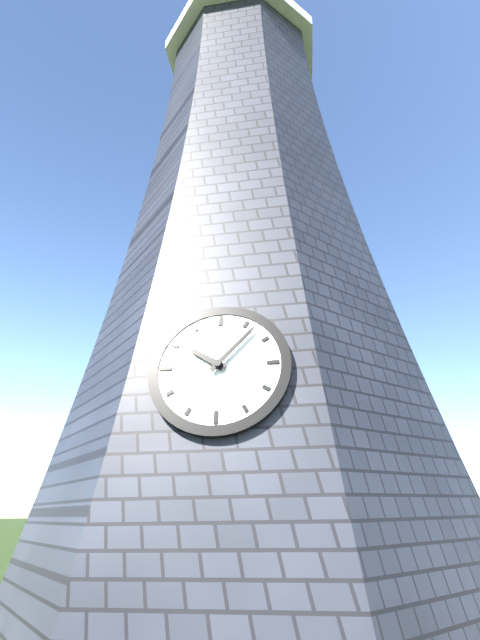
10:07
